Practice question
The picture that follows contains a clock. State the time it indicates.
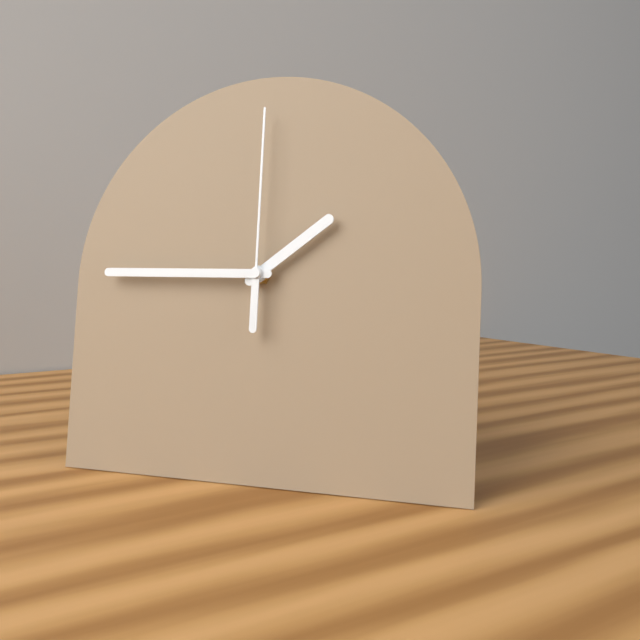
1:45:00
